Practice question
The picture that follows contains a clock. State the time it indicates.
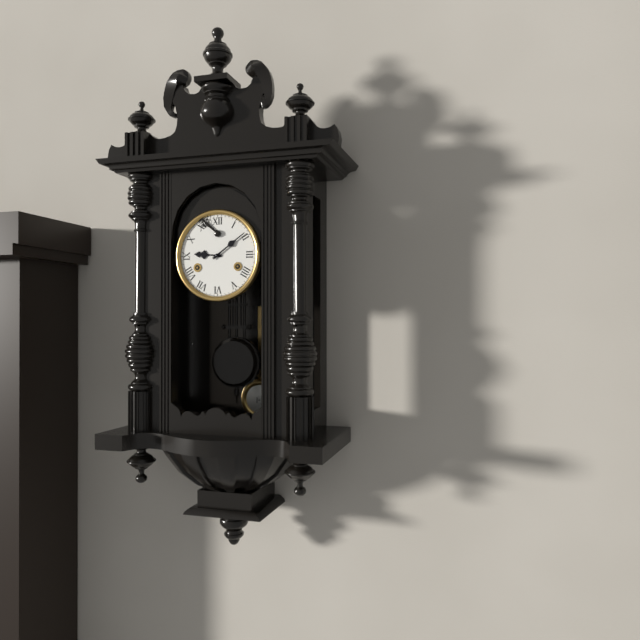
9:09
